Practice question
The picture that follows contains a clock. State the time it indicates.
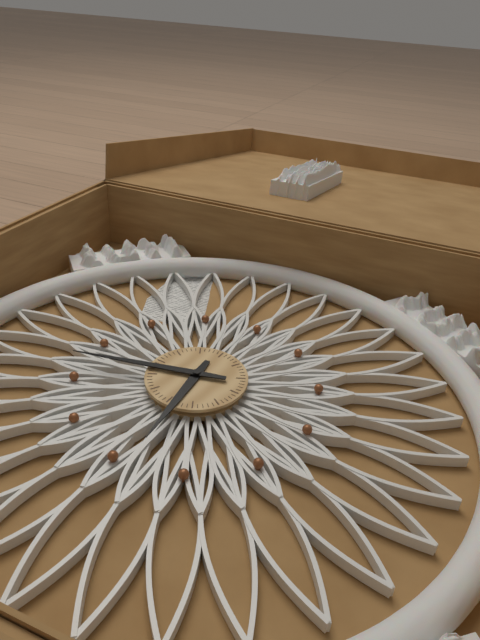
5:42
